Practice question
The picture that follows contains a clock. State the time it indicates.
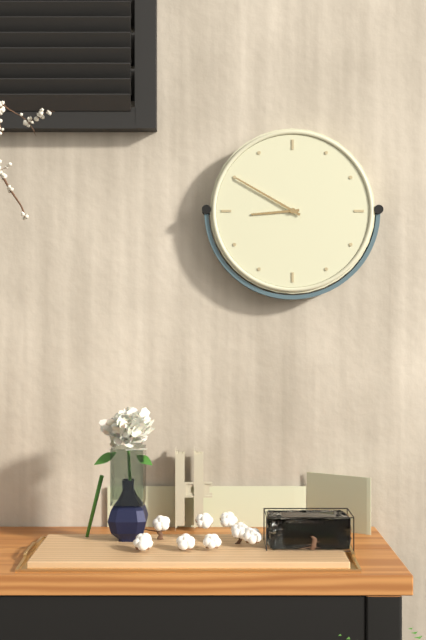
8:50
